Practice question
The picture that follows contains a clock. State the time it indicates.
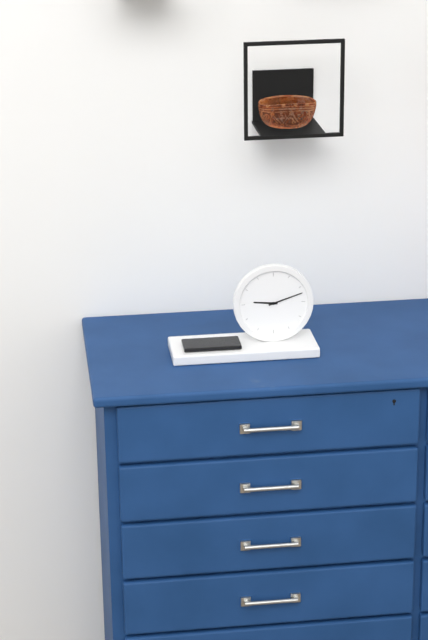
9:12
